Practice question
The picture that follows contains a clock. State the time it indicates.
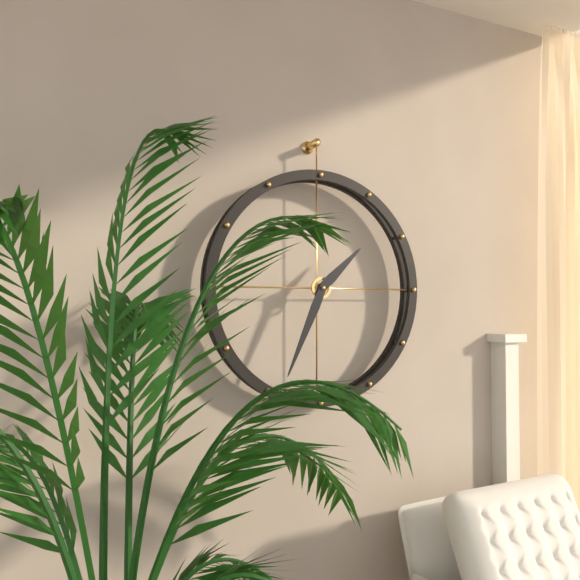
1:34
